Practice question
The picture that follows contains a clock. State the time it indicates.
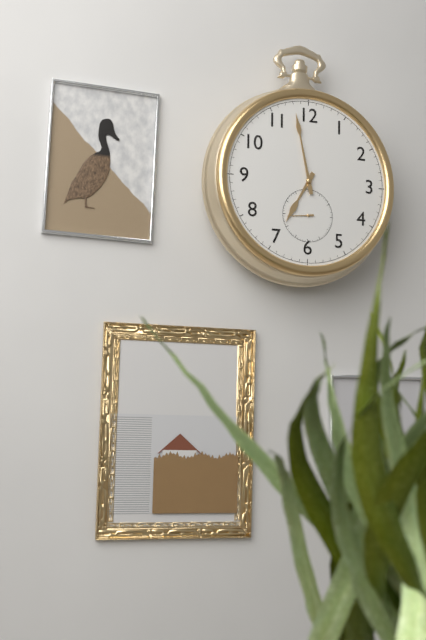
6:58
